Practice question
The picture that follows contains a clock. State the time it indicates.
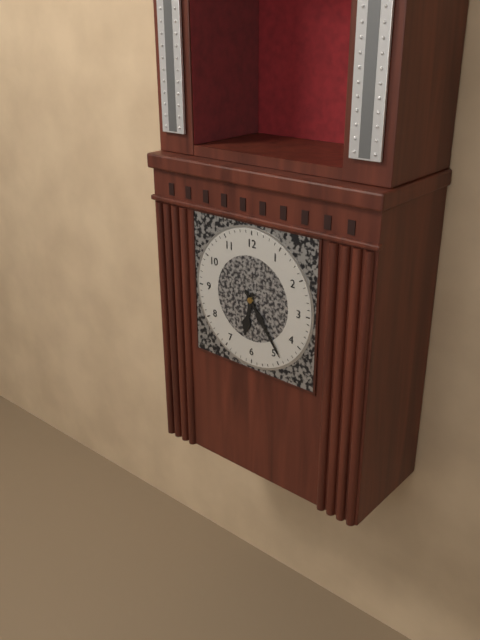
6:24
